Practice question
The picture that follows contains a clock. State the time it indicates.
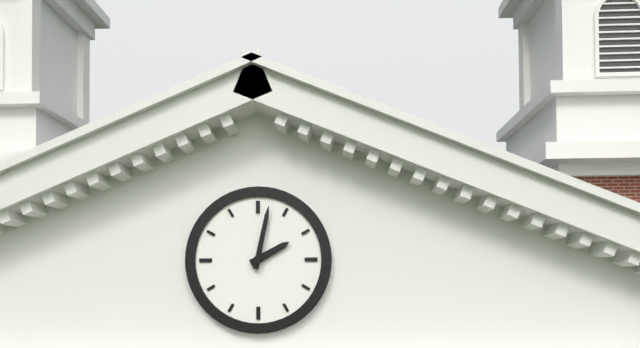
2:02
